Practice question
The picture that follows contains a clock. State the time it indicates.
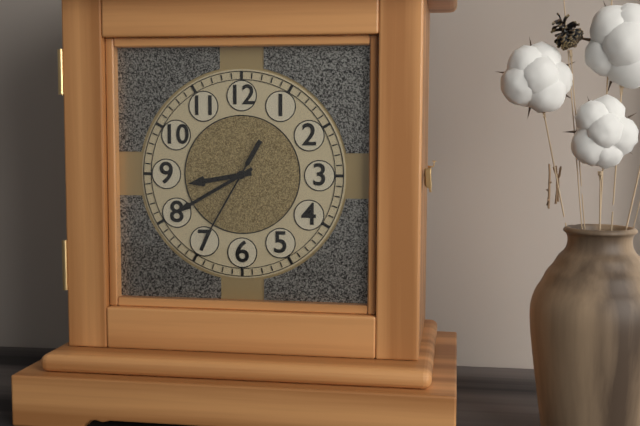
8:40:35
